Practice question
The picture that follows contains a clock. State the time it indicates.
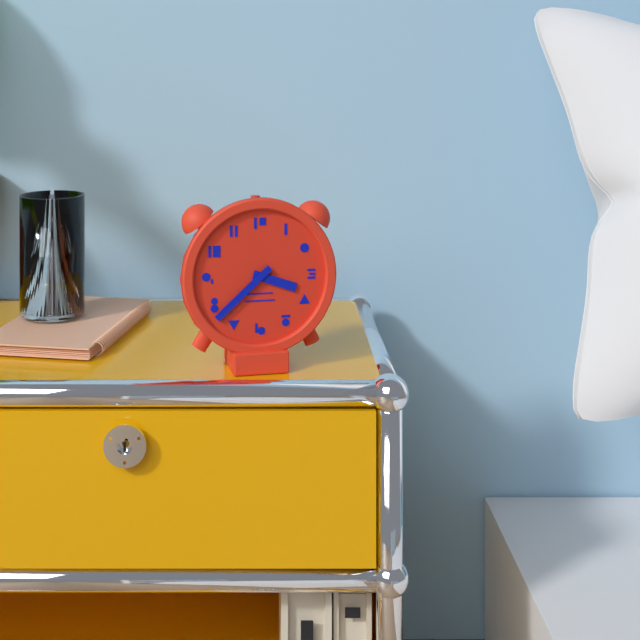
3:38
